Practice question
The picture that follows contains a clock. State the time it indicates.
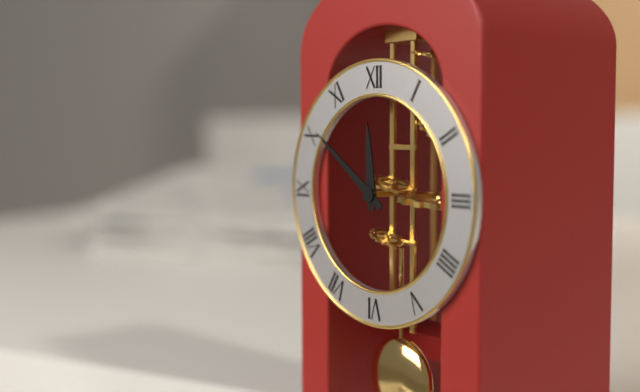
11:51
